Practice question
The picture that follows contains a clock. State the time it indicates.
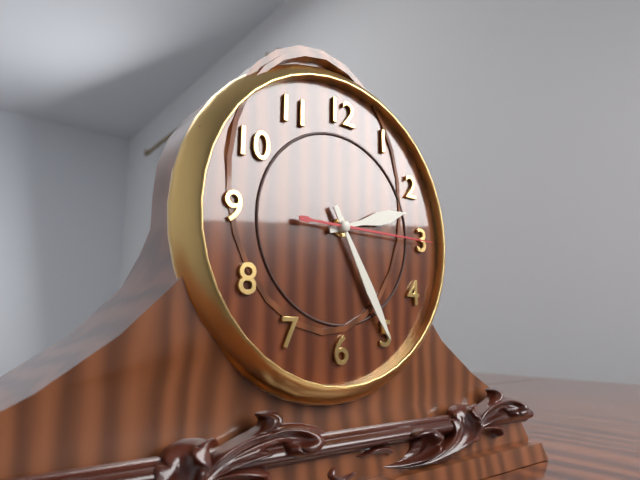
2:25:15
